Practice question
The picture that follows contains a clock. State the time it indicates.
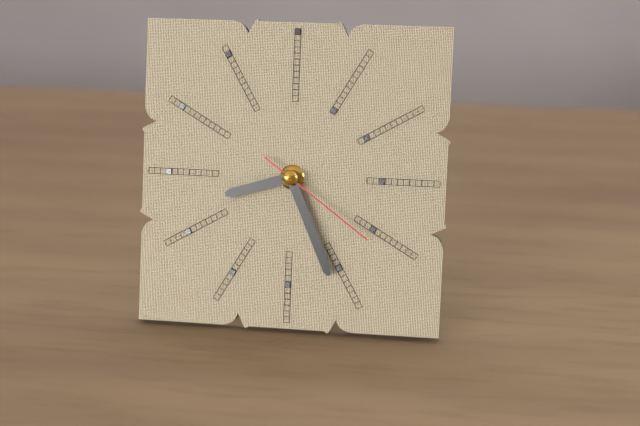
8:26:21
